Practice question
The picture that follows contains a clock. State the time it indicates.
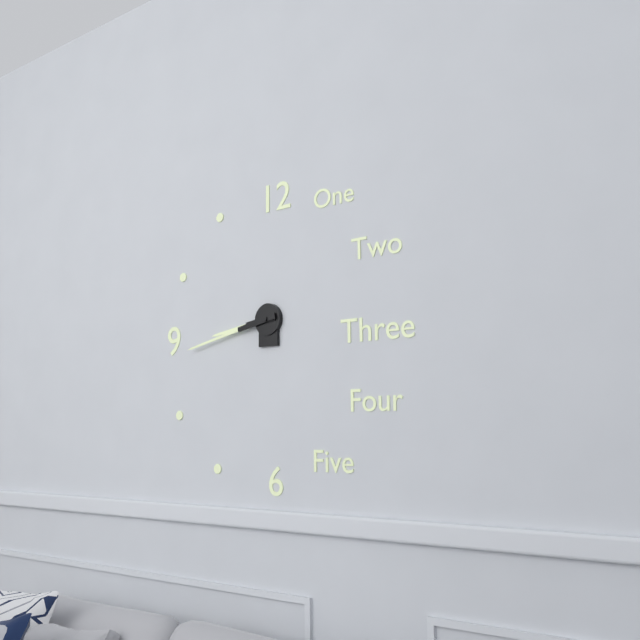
8:43
